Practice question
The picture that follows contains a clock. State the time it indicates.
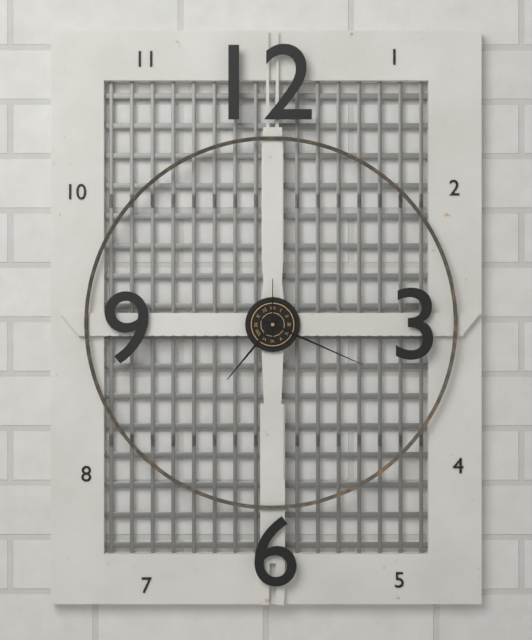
7:19:00
